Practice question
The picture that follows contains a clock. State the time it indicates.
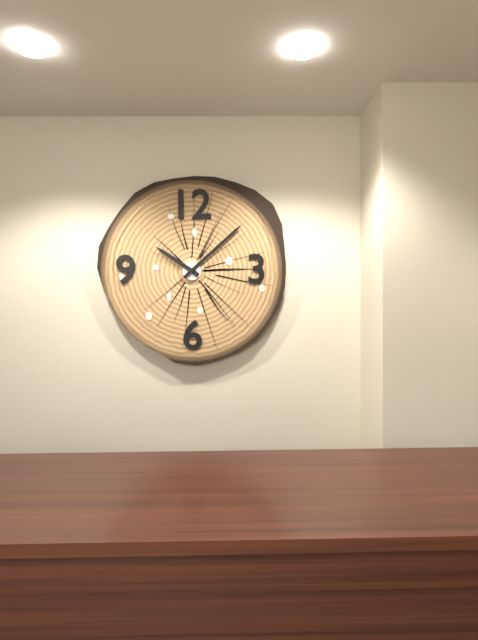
10:08
